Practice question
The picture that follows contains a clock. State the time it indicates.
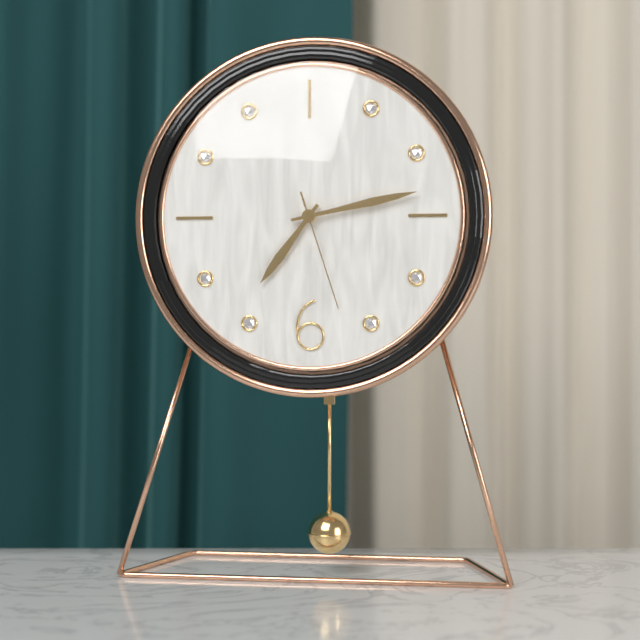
7:13:27
